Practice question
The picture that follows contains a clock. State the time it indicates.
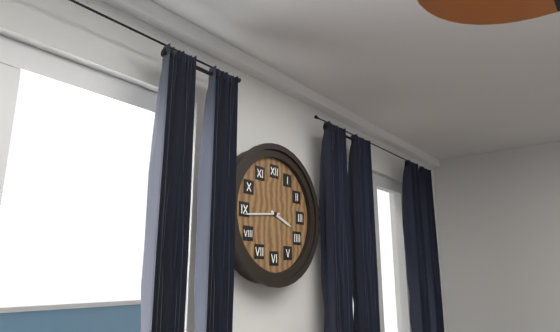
3:44
